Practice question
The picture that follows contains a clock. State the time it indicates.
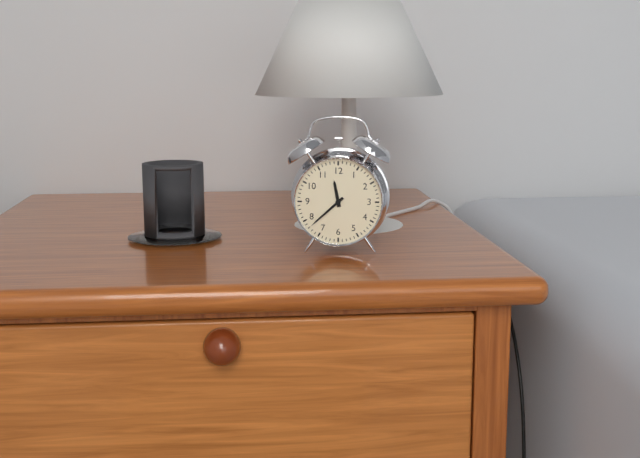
11:38
